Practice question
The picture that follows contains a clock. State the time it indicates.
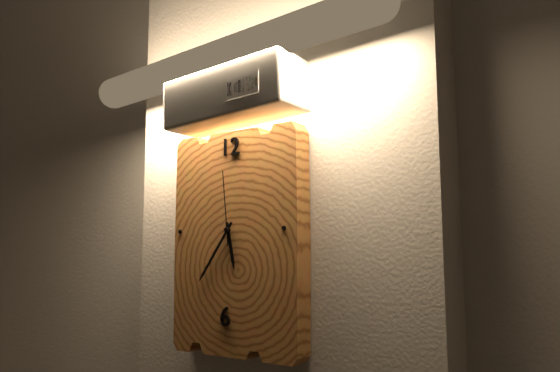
5:36:59
